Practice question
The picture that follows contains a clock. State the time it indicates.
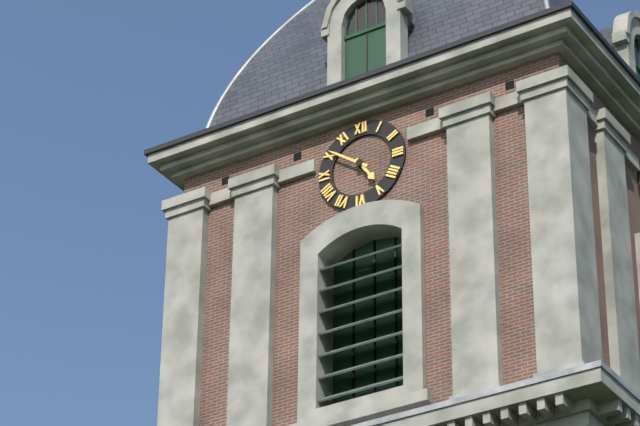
4:51
